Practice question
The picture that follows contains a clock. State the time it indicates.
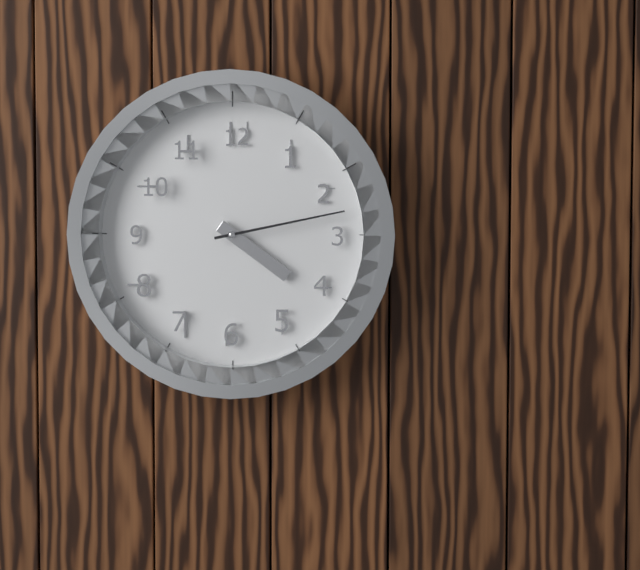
4:13
